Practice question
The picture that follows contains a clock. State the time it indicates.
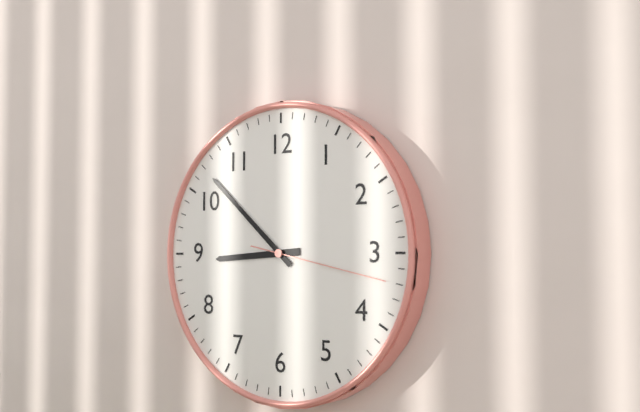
8:52:17
